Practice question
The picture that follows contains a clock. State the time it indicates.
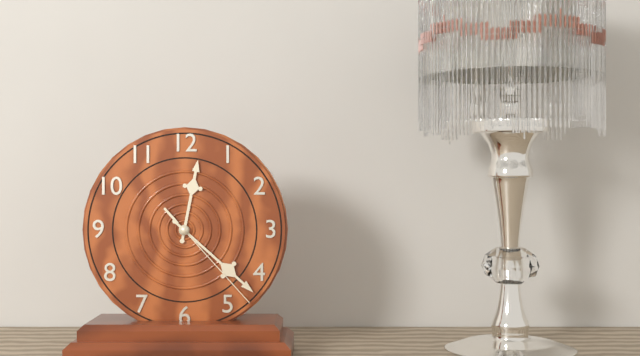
12:22:23
